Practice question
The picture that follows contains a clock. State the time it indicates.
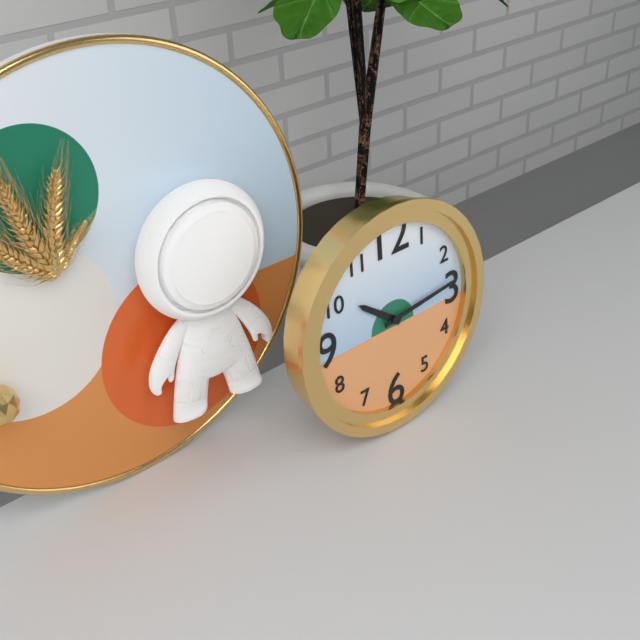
10:14
